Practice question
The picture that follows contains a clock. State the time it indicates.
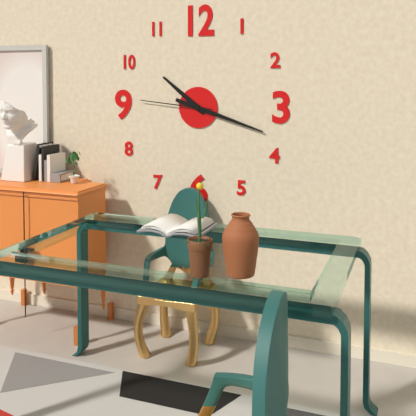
10:18:46
